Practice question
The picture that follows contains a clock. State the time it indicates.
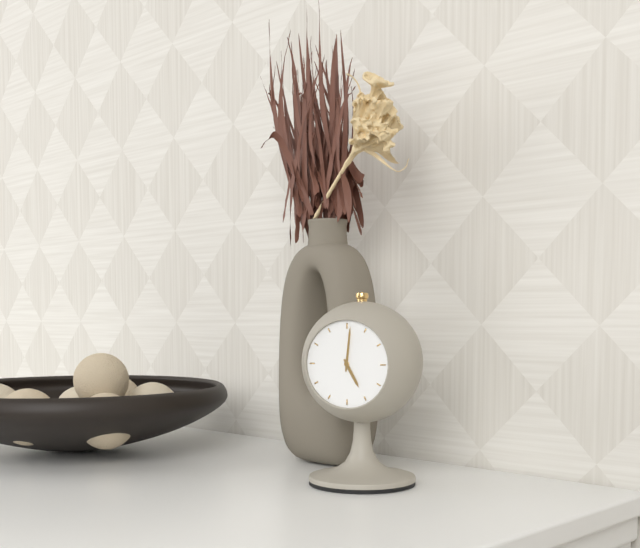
5:01
